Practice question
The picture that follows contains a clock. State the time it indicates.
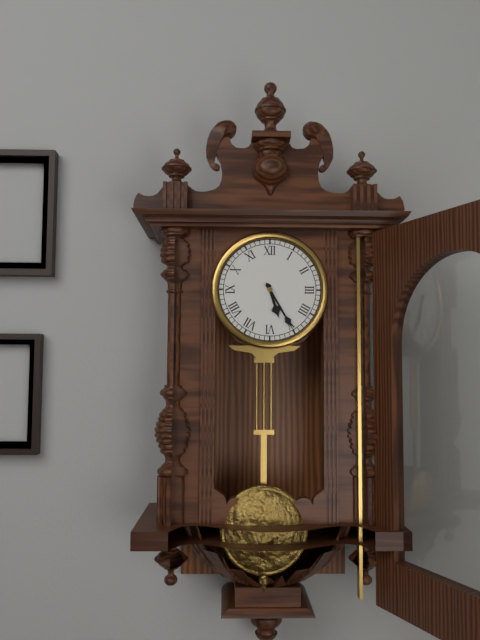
5:25
